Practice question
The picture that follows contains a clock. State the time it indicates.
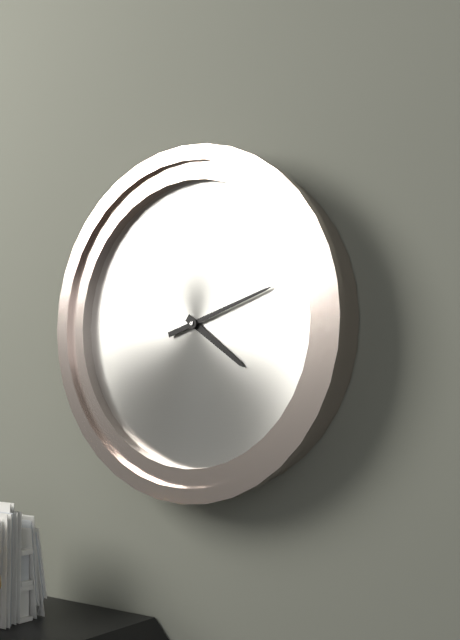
4:12
